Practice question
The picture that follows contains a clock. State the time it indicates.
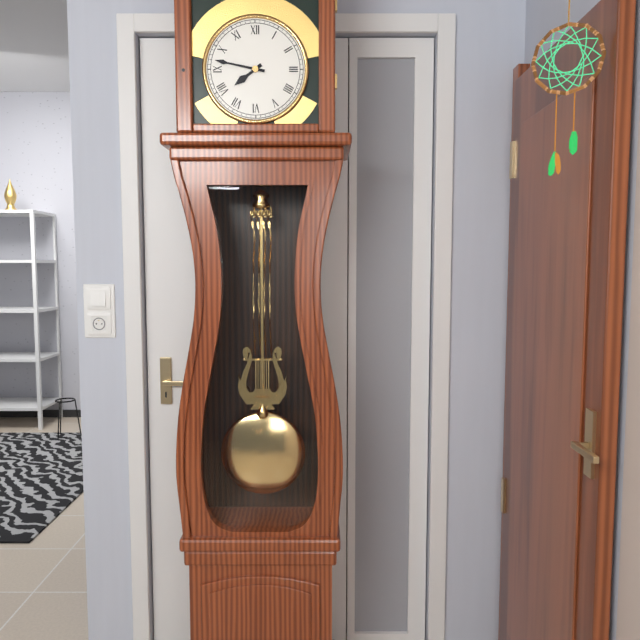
7:47
